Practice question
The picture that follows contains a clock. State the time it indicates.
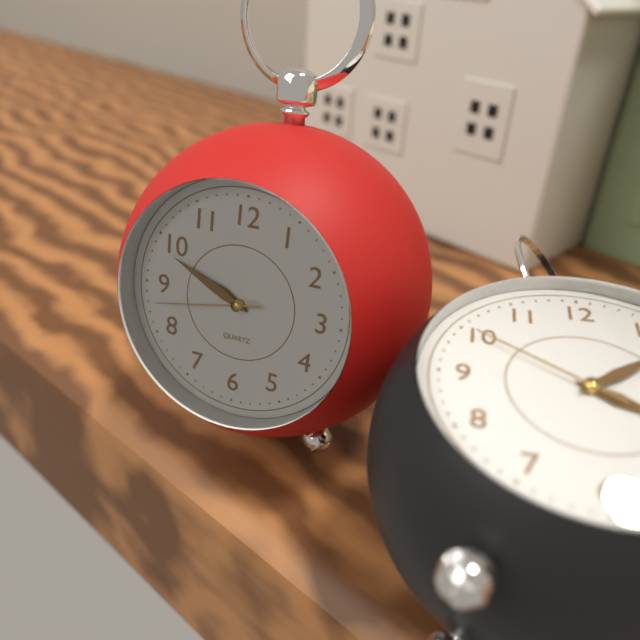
9:49:43
